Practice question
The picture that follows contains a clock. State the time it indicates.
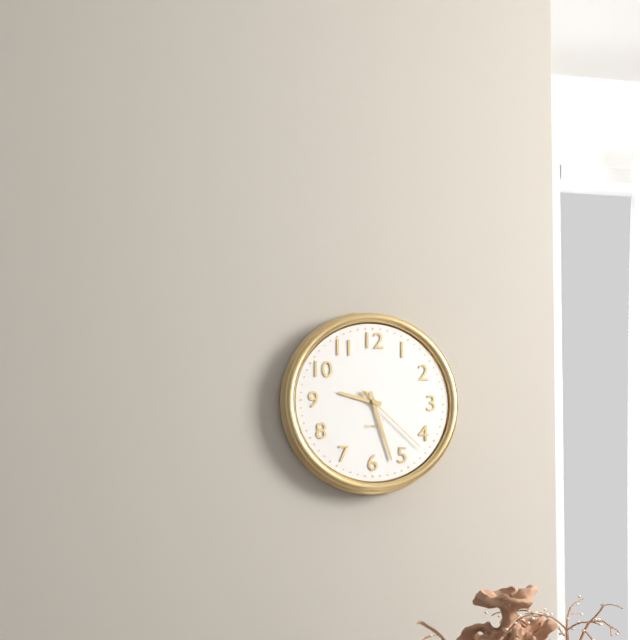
9:27:22
